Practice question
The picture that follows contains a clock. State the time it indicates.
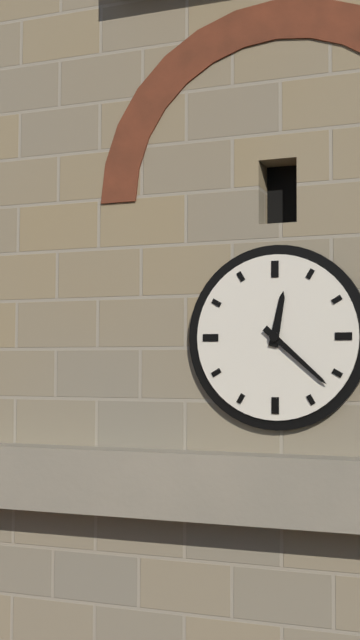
12:22
